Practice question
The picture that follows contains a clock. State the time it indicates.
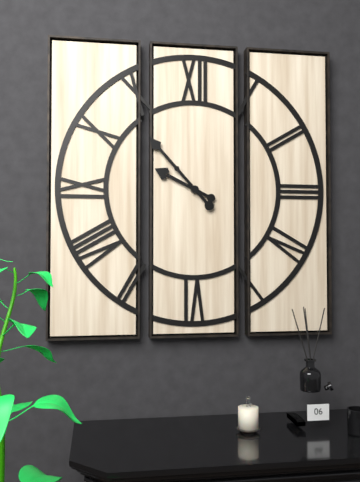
9:53
